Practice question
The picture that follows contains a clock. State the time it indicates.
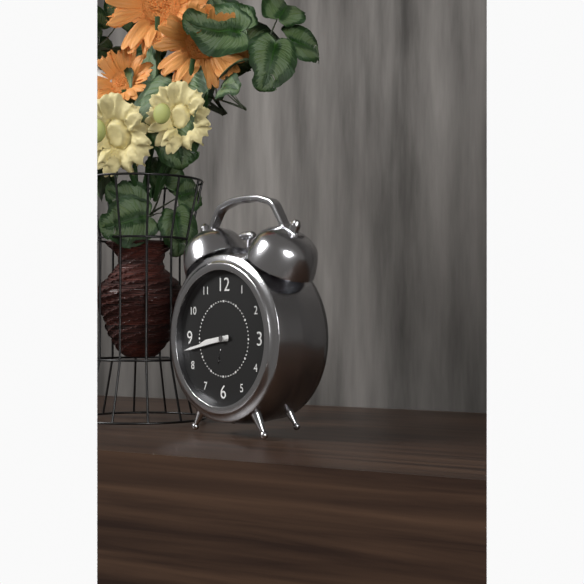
8:43
